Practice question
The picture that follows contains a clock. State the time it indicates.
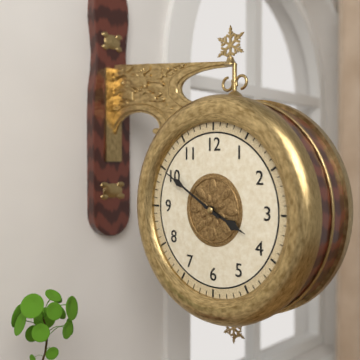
3:50
